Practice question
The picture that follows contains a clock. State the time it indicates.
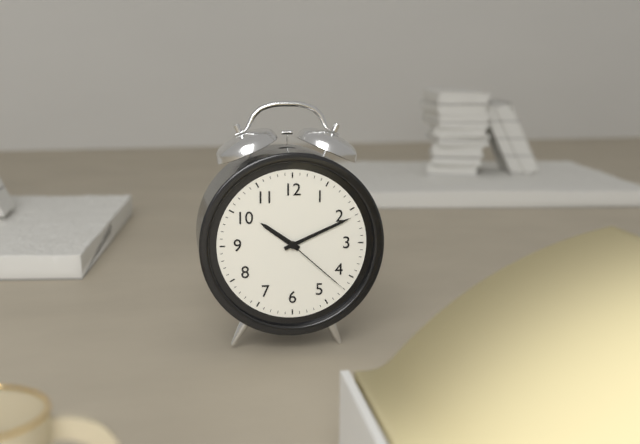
10:11:22
